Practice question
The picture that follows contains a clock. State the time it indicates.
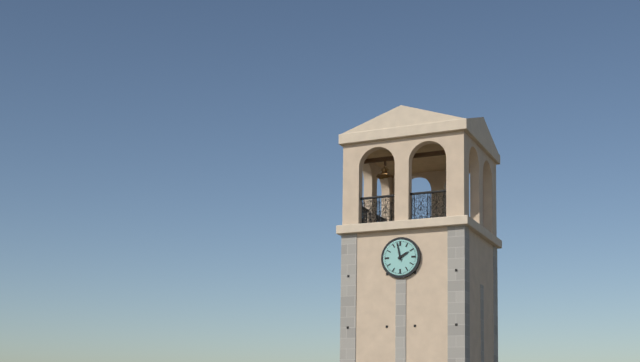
1:58
